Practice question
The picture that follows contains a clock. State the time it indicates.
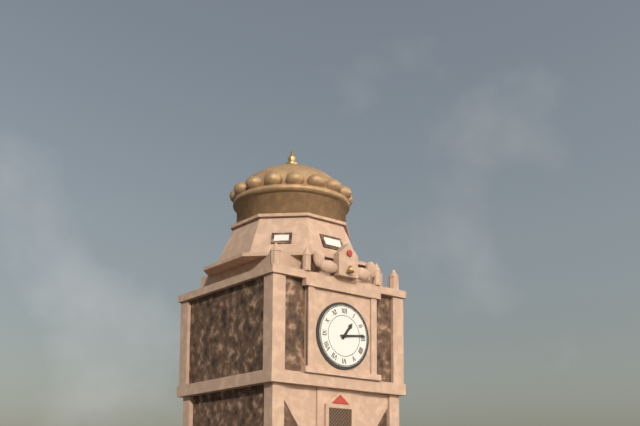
1:14
